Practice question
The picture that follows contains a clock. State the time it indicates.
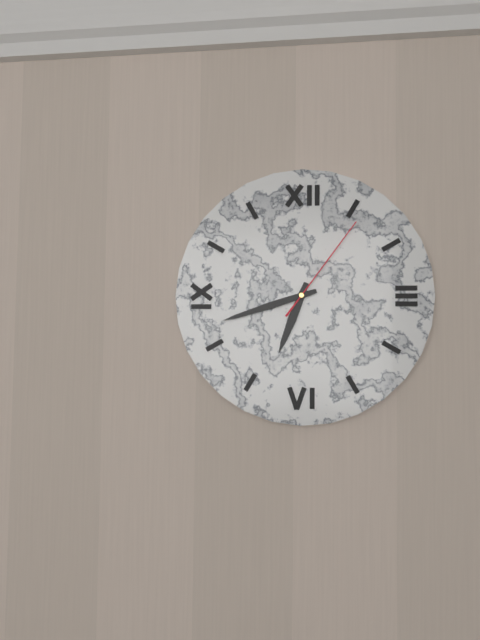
6:42:06
